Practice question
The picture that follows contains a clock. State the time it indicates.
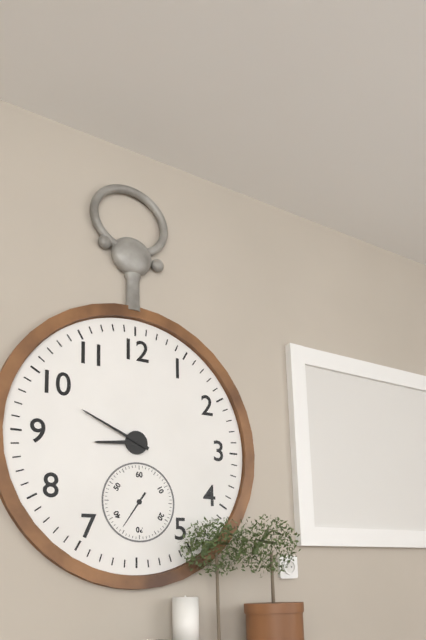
8:49
